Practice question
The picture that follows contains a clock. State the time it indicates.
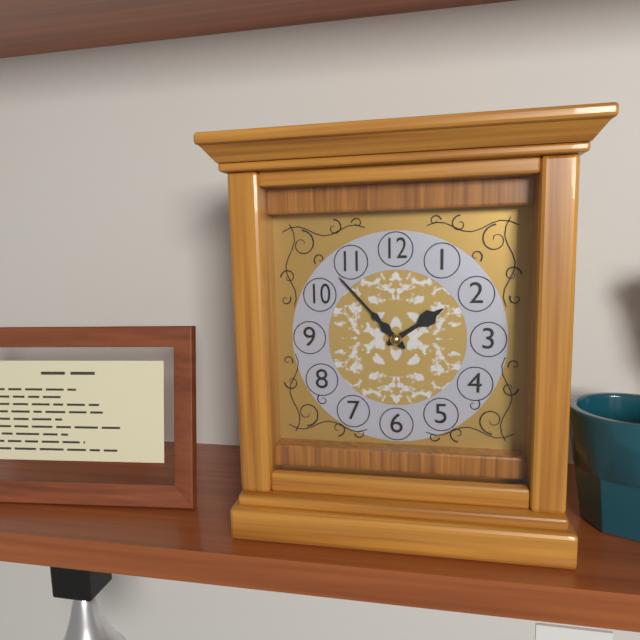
1:53
